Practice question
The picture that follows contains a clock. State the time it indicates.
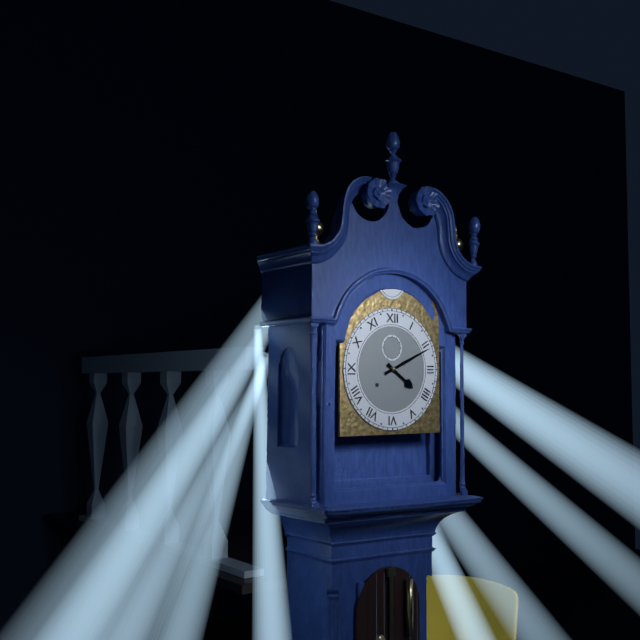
4:11
